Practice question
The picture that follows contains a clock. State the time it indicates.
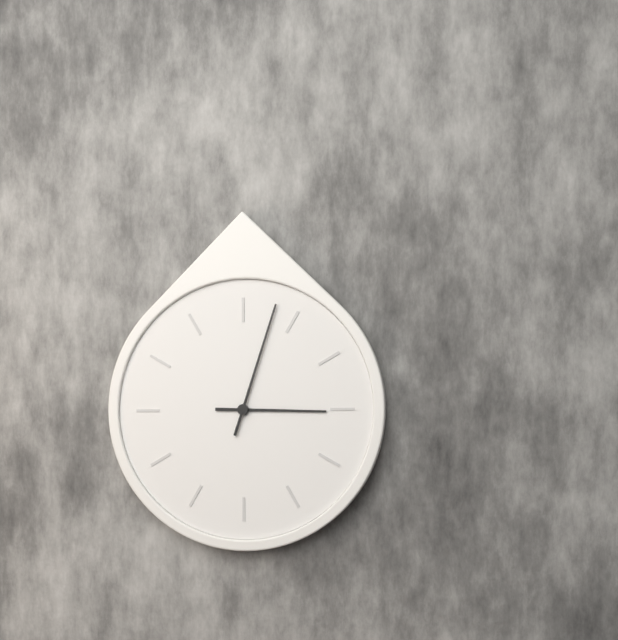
3:03
